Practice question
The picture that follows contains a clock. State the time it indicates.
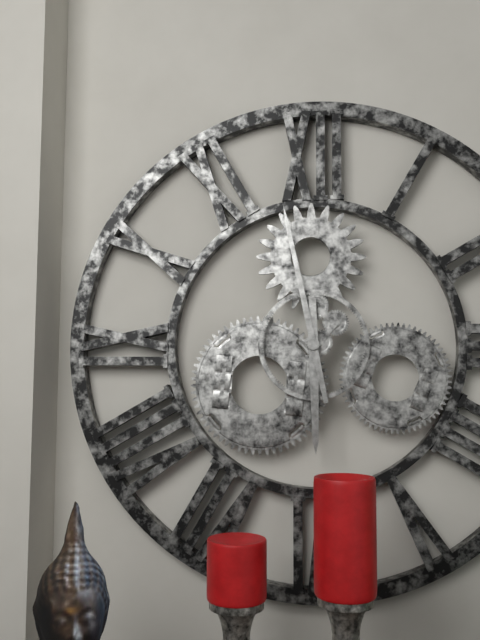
5:58
